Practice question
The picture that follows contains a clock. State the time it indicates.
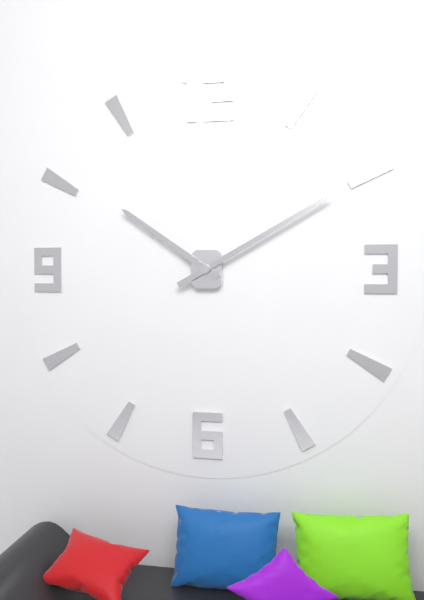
10:10
